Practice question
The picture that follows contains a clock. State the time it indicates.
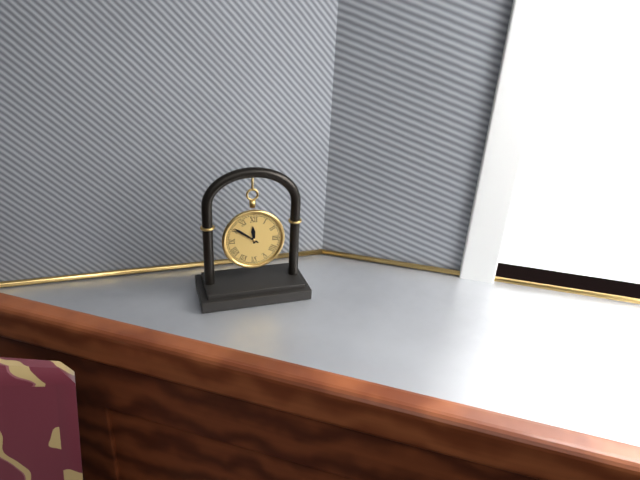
11:51
